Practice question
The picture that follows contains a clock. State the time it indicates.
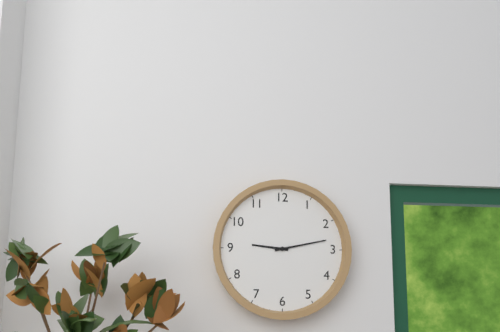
9:13
